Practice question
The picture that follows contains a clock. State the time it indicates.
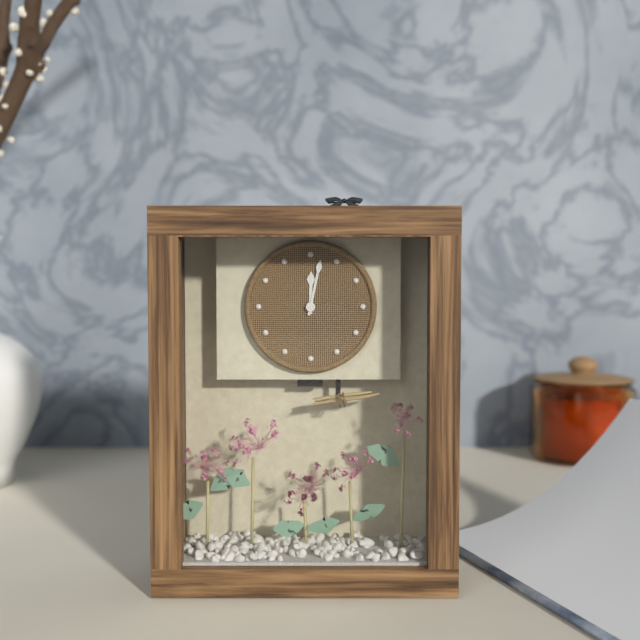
12:02
